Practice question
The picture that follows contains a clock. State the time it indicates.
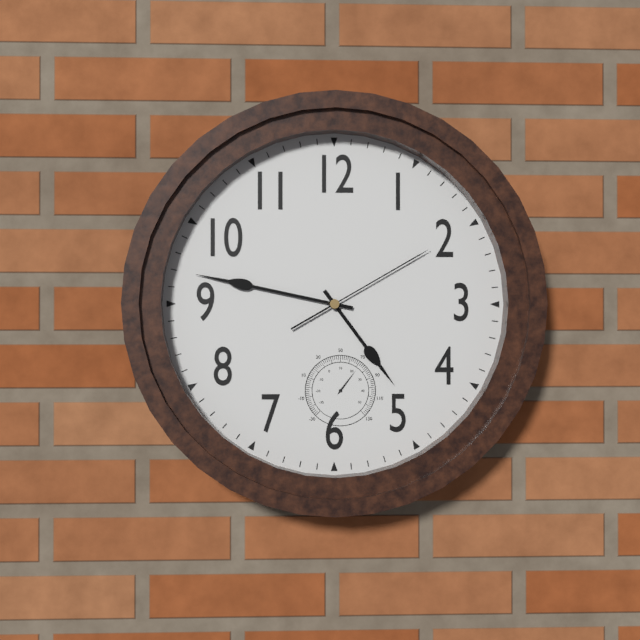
4:47:10
